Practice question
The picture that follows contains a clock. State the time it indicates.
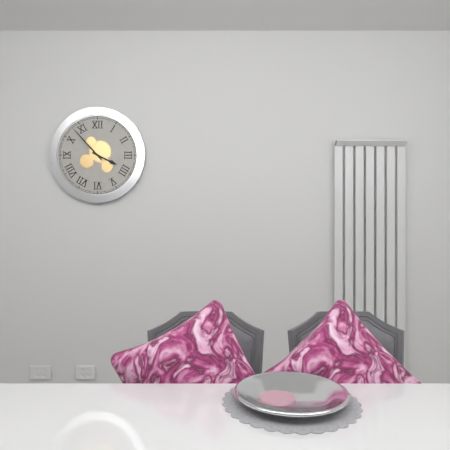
3:53
